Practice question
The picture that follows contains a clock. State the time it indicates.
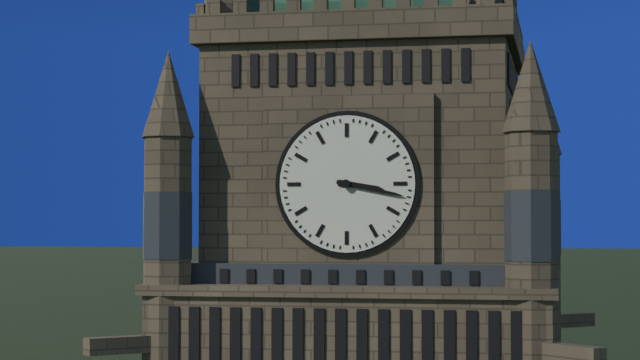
3:17
